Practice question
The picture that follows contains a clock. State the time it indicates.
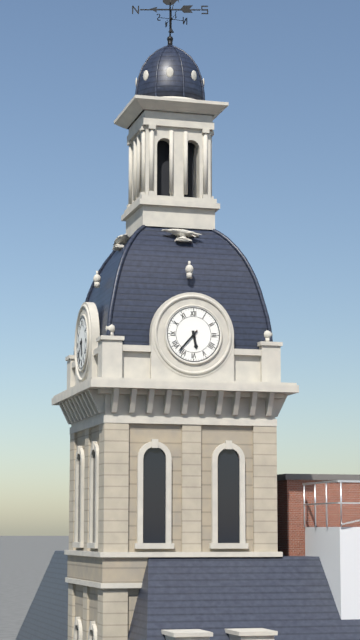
5:37
